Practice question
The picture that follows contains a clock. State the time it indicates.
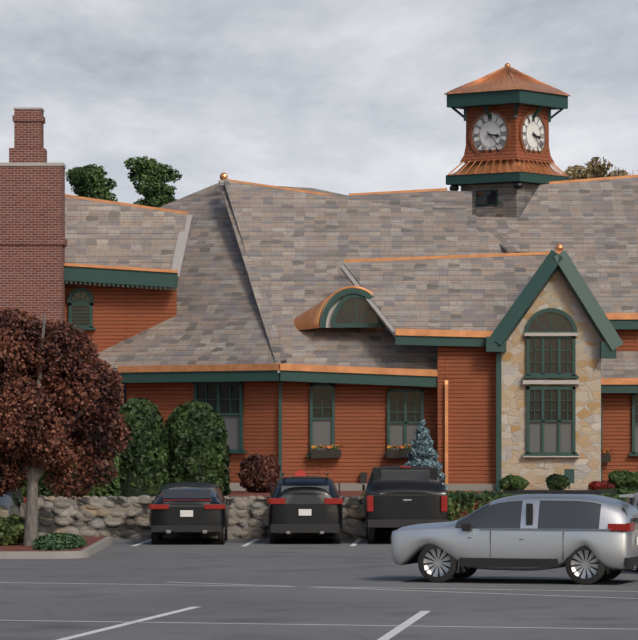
3:23
